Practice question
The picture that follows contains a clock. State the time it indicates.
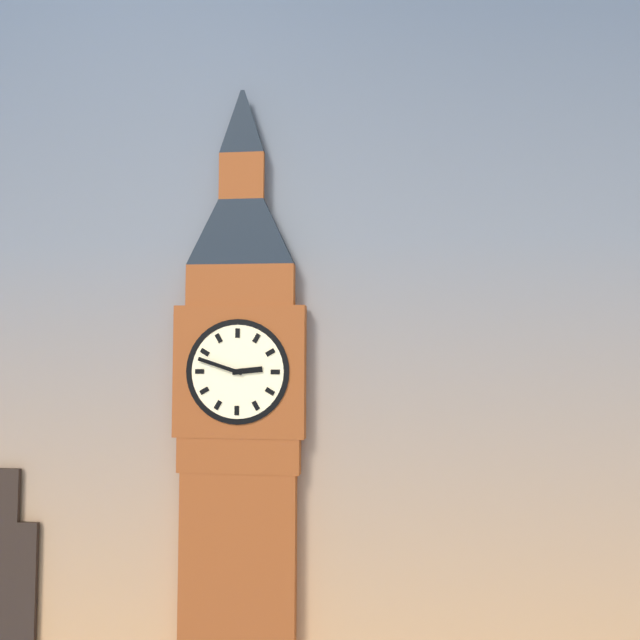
2:48
